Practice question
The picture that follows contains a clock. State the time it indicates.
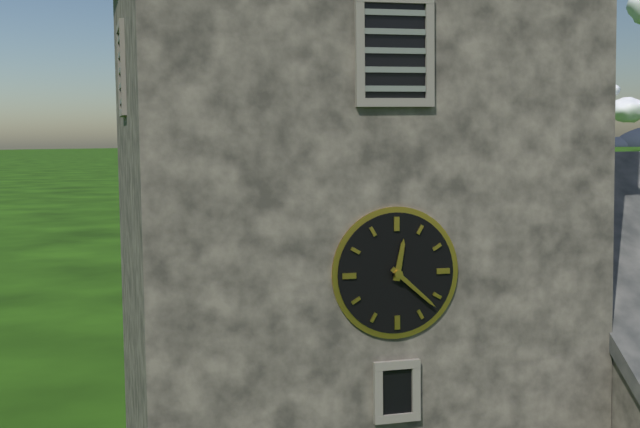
12:22
